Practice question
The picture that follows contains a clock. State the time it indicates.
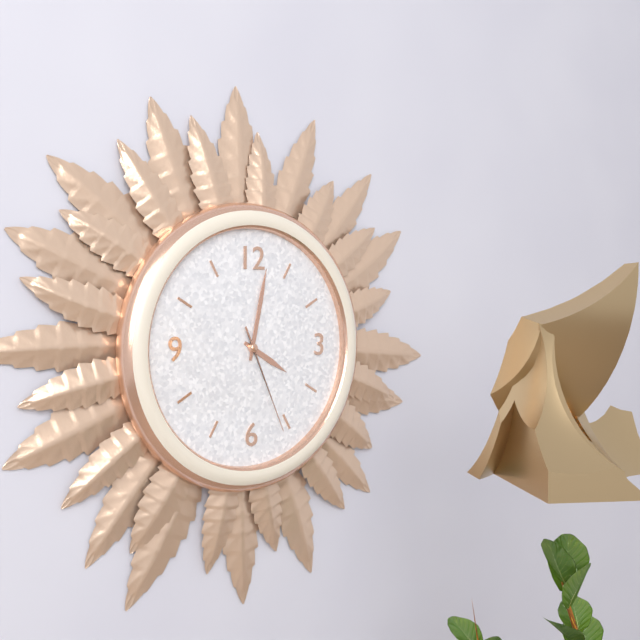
4:02:26
